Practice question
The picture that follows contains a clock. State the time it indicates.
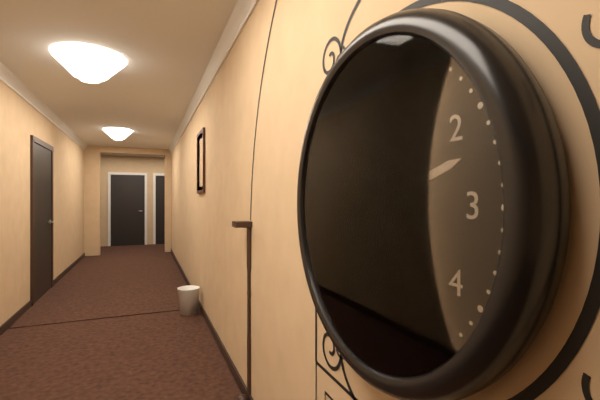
11:12
